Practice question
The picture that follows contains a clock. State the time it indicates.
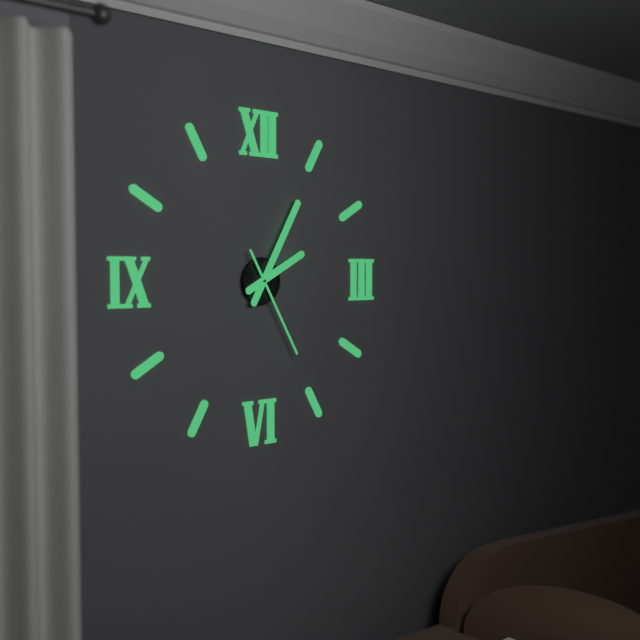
2:05:25
